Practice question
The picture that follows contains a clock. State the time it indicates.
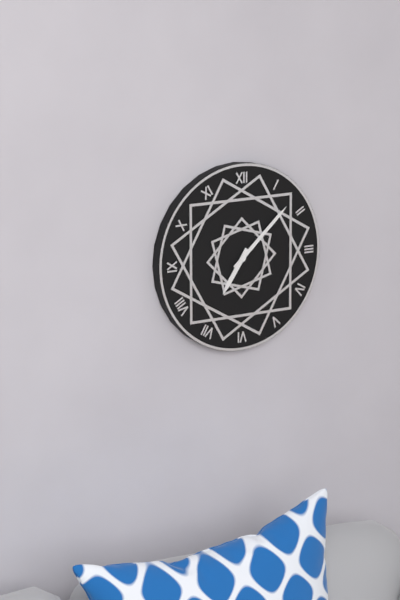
7:08
